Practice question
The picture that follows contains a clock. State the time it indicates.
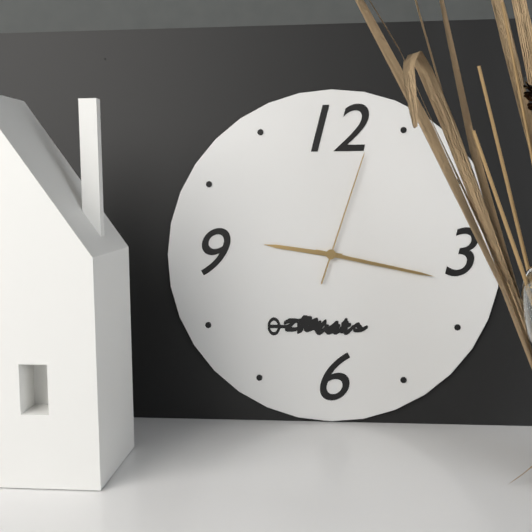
9:17:03
